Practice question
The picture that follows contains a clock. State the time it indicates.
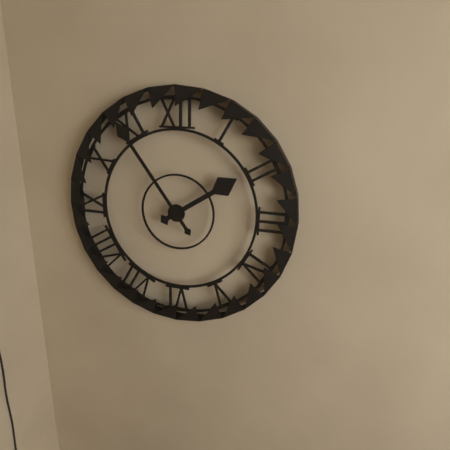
1:54
